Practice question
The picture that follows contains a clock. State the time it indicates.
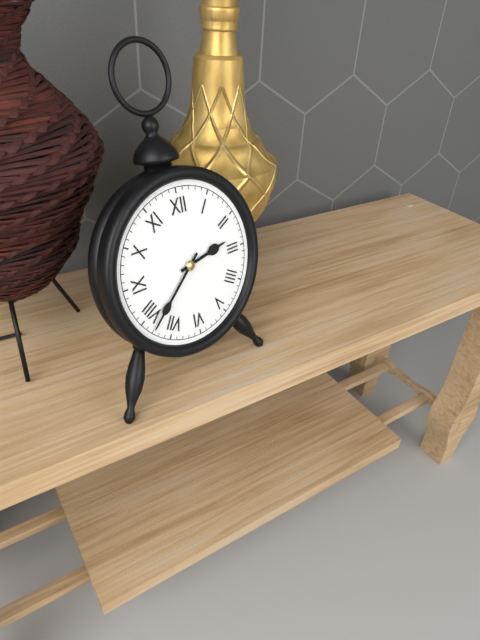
2:38
